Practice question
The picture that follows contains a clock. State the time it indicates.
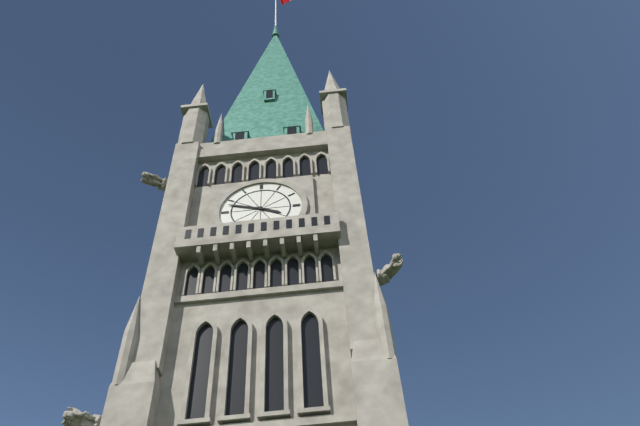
3:48
